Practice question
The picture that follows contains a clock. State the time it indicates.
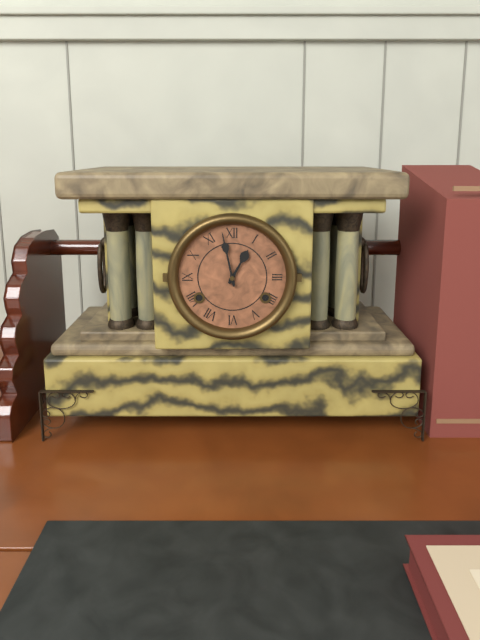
12:58
